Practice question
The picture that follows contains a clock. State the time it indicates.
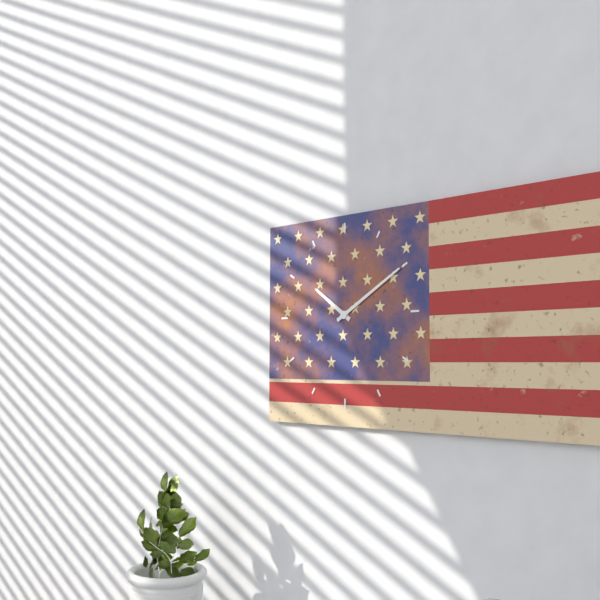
10:10
